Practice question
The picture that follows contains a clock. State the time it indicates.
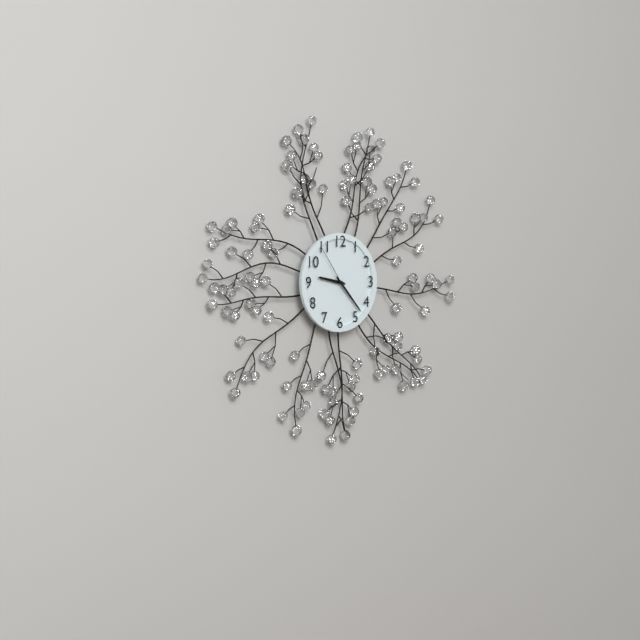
9:23:54
